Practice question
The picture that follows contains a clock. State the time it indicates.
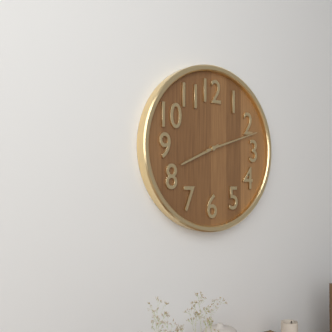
8:12
